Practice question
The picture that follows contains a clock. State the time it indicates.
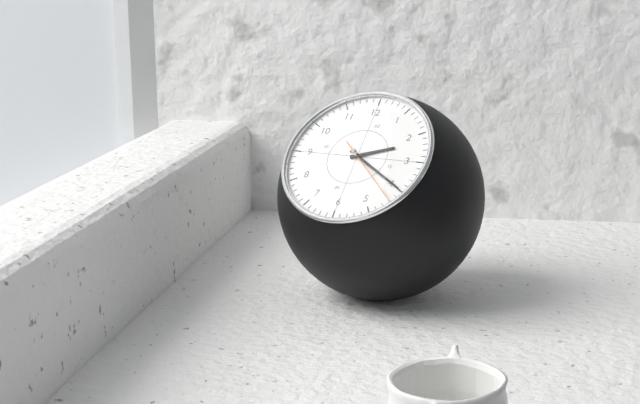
2:20
